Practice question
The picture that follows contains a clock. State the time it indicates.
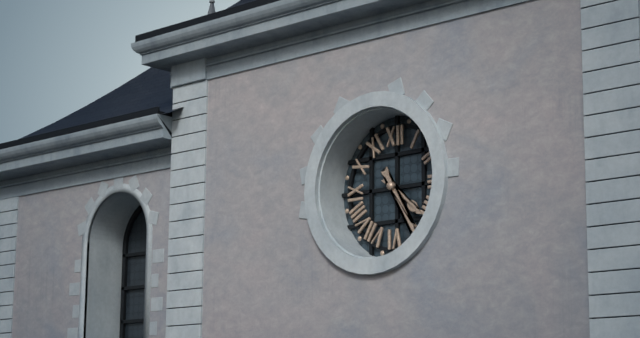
4:25
